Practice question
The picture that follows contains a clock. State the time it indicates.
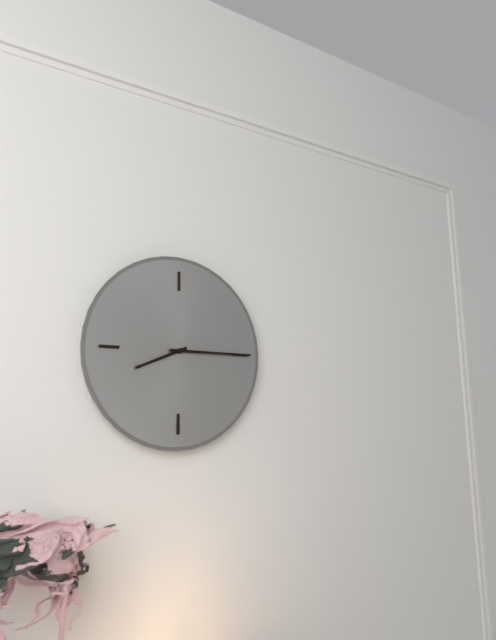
8:15
